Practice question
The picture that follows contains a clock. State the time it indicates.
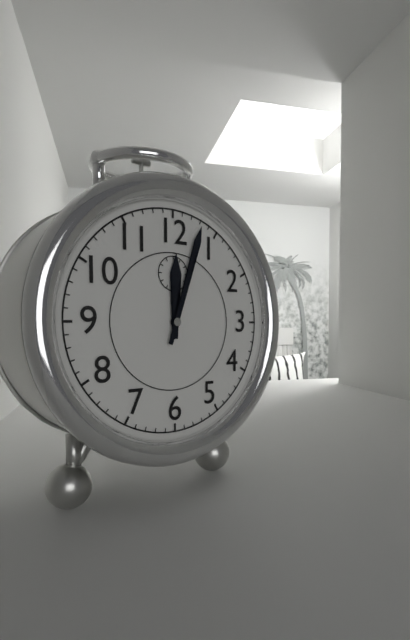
12:03
